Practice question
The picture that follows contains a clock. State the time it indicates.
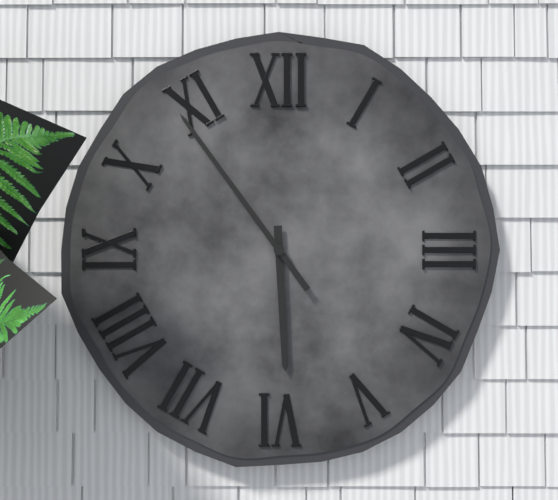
5:54
